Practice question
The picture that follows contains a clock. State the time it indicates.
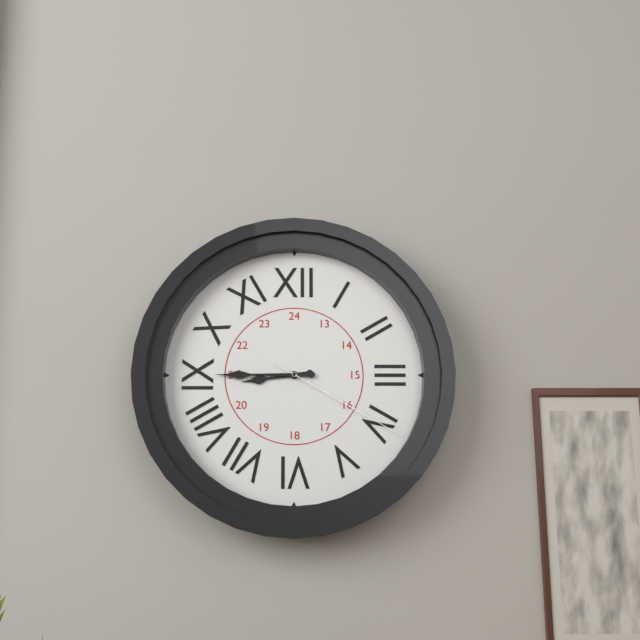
8:45:20
